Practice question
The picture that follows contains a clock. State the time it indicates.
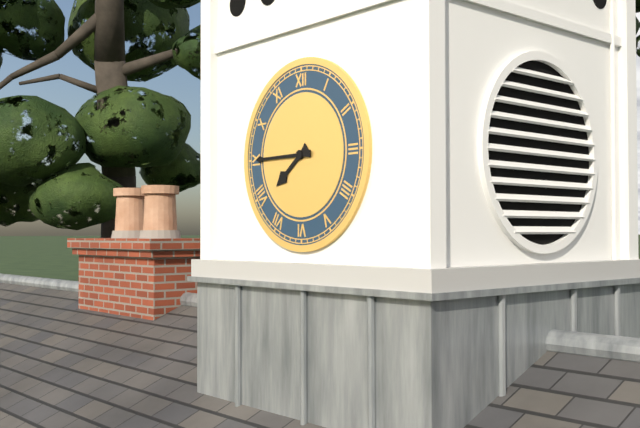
7:45
